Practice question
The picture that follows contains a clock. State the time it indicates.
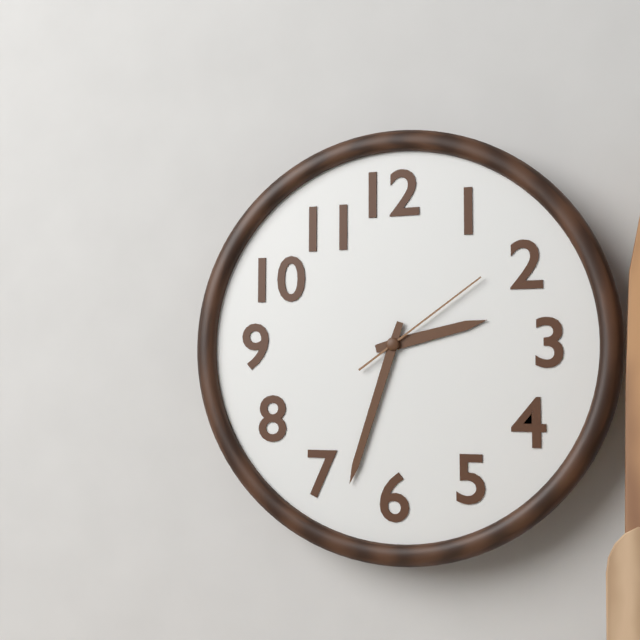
2:33:09
